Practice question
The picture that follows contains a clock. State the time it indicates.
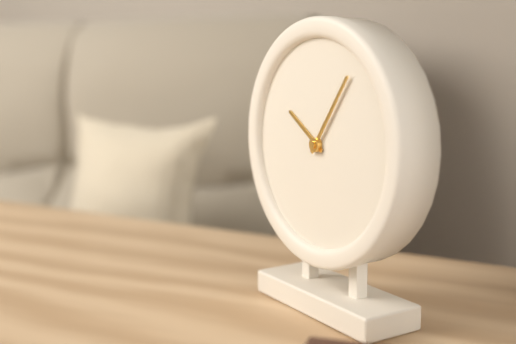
10:06
